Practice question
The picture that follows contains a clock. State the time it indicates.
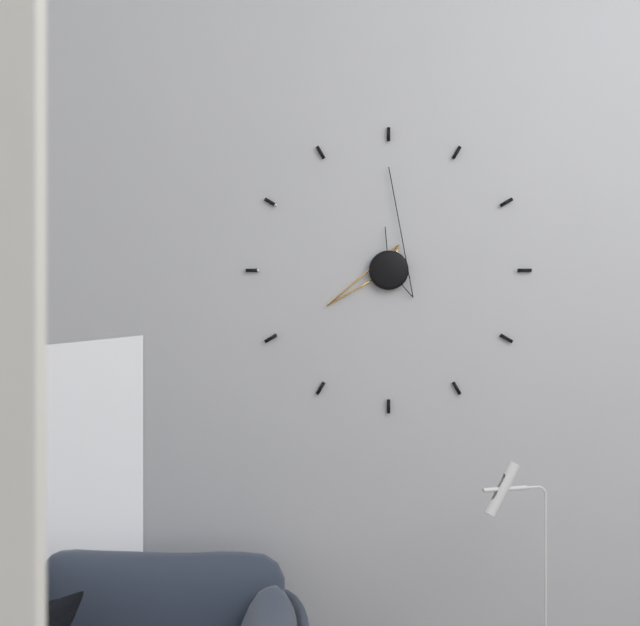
8:00
